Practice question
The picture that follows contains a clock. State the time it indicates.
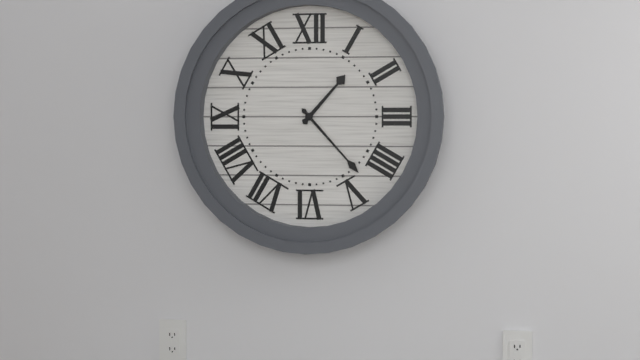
1:23
